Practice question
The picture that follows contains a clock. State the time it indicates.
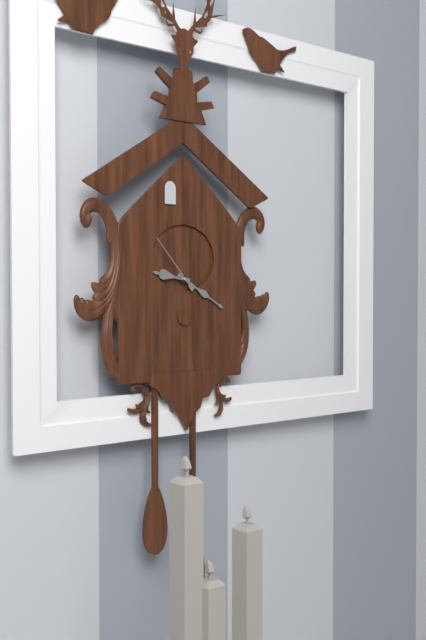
9:20:53
